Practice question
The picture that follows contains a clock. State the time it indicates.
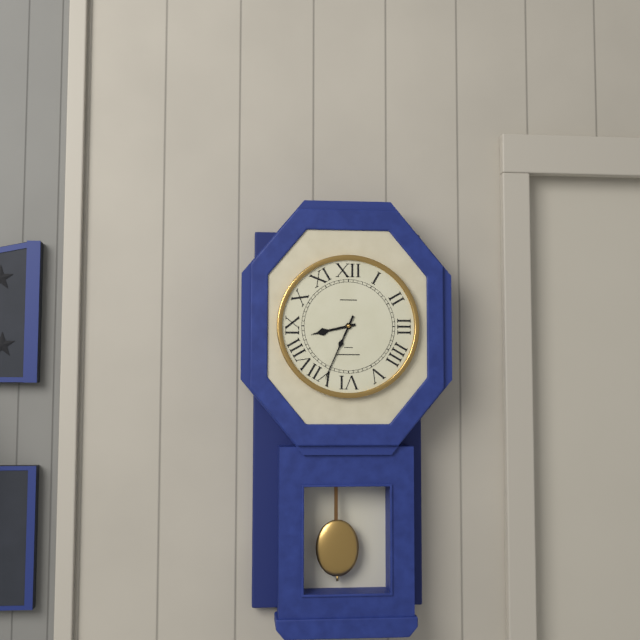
8:34
